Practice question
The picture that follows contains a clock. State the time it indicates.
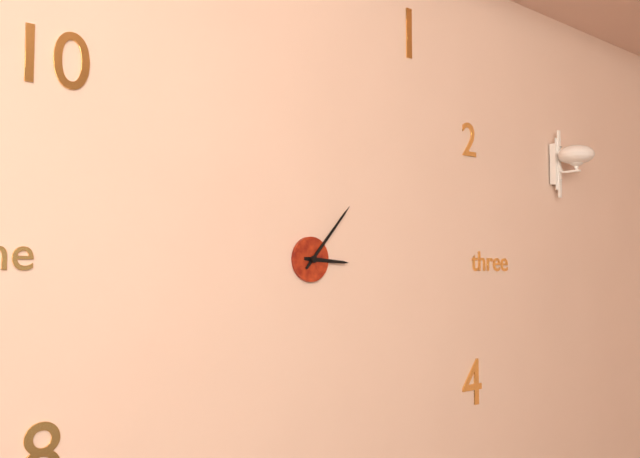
3:07
